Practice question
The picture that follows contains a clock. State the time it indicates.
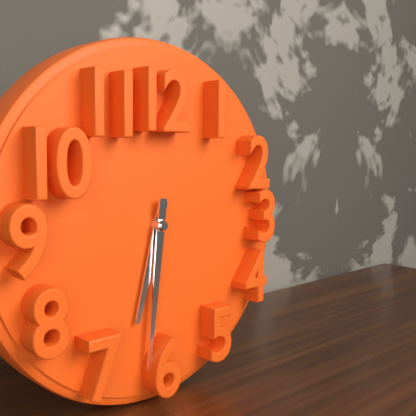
6:31
